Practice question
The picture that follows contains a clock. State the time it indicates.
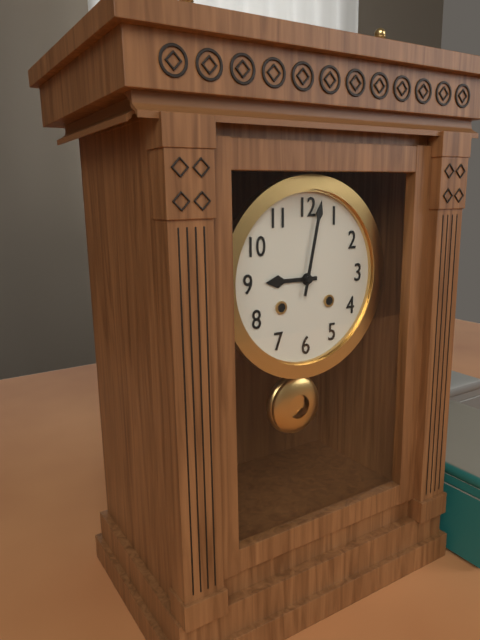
9:02
